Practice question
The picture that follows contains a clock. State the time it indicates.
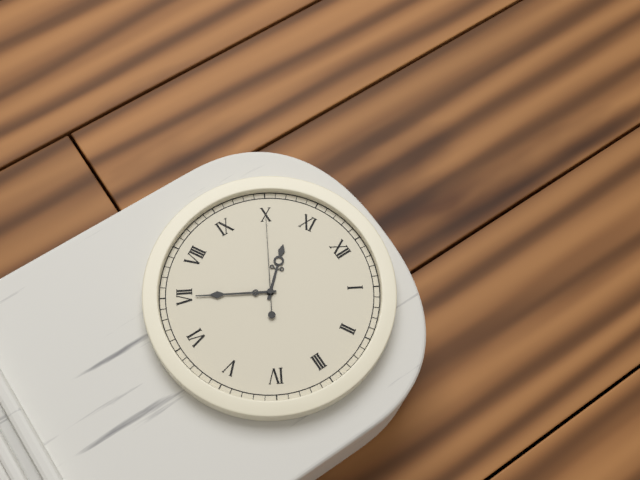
10:35:50
